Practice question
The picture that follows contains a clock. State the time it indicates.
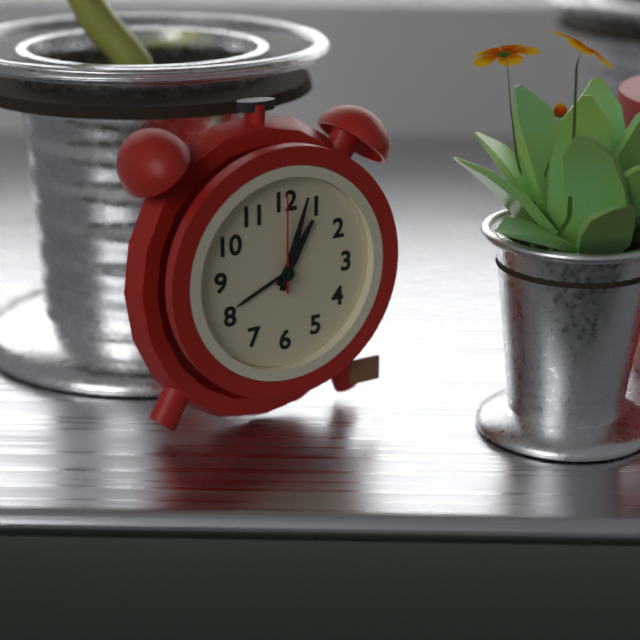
1:03:00
